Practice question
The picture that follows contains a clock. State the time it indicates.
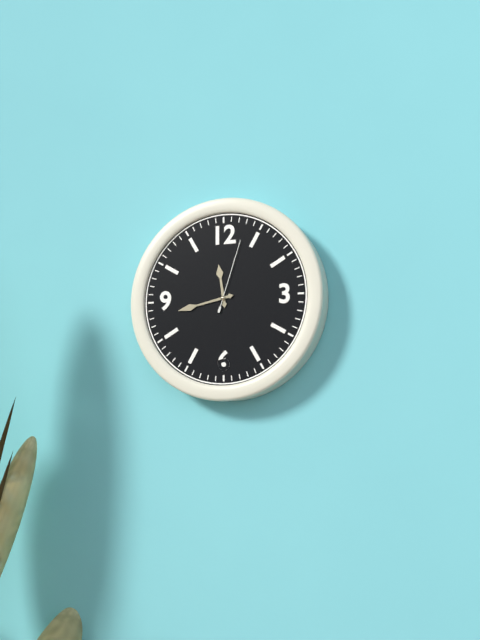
11:43:03
